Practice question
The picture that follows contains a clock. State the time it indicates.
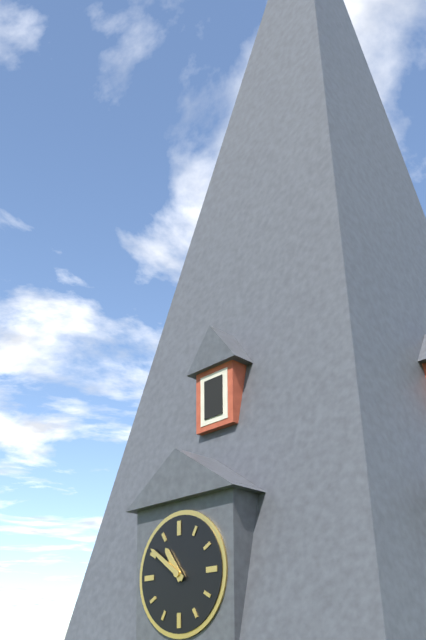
10:51
